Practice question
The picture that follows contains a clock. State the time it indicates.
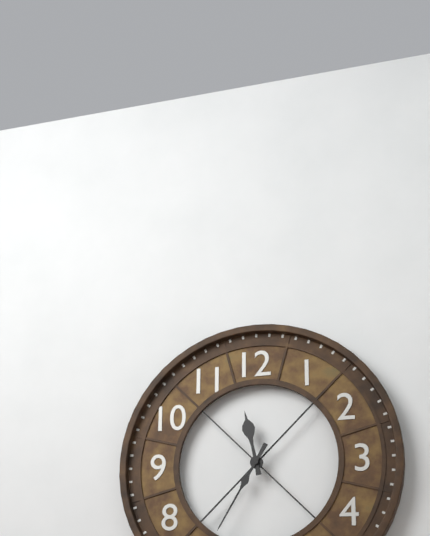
11:35
